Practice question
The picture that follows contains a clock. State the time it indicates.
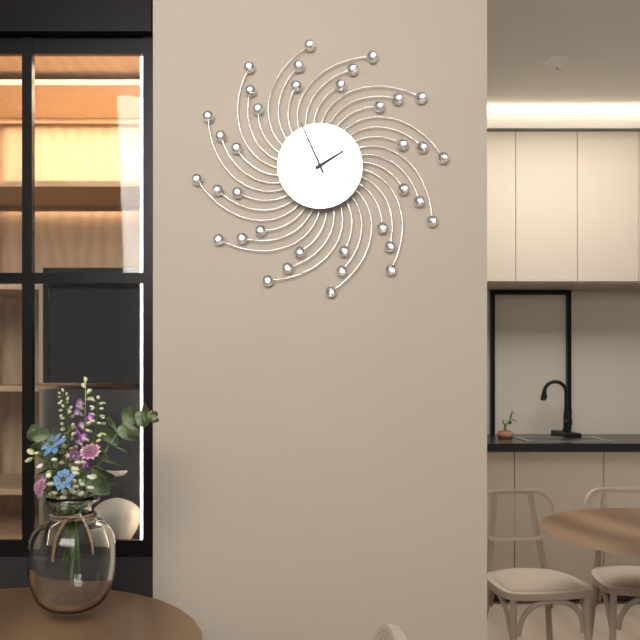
1:56
